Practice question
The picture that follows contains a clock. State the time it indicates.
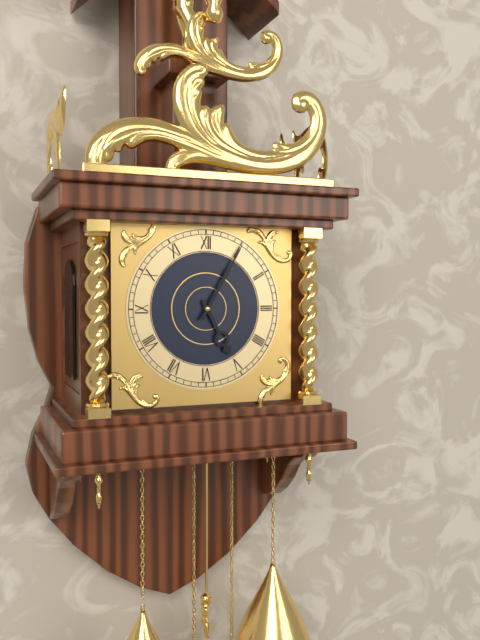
5:05
